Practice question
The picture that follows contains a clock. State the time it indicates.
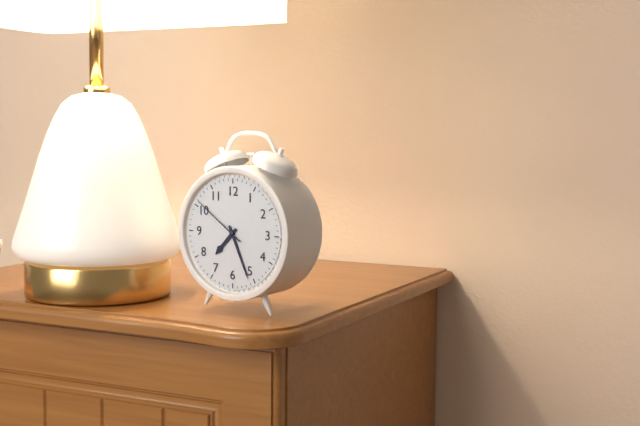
7:26:51
